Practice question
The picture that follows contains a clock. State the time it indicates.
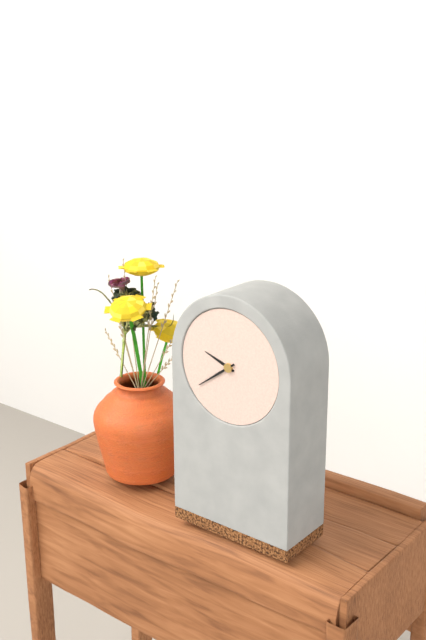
9:39
